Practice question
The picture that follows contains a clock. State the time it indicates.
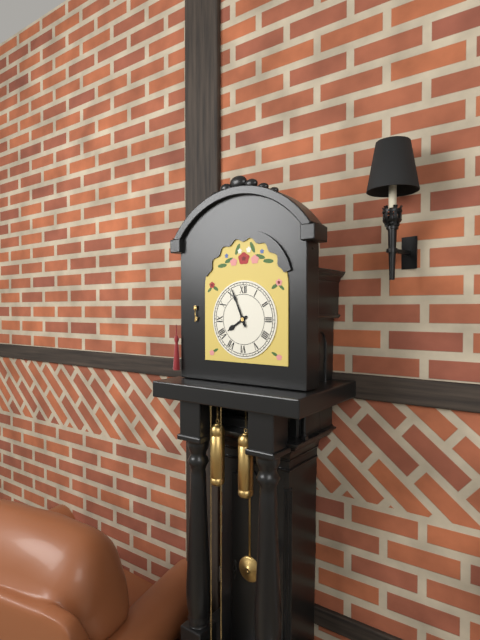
7:56
